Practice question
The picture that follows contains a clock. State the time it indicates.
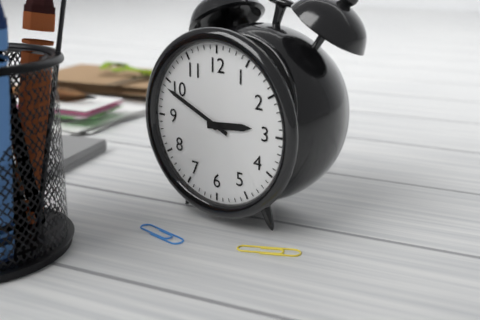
2:49
